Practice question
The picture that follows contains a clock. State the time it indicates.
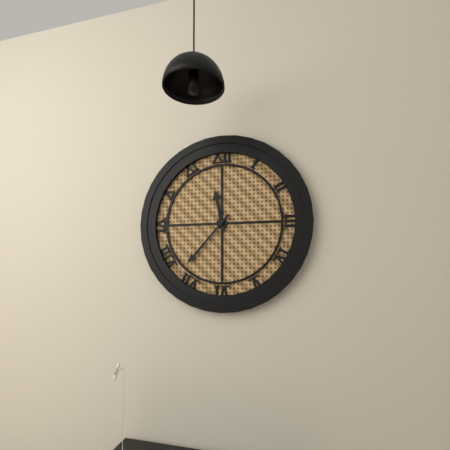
11:37
